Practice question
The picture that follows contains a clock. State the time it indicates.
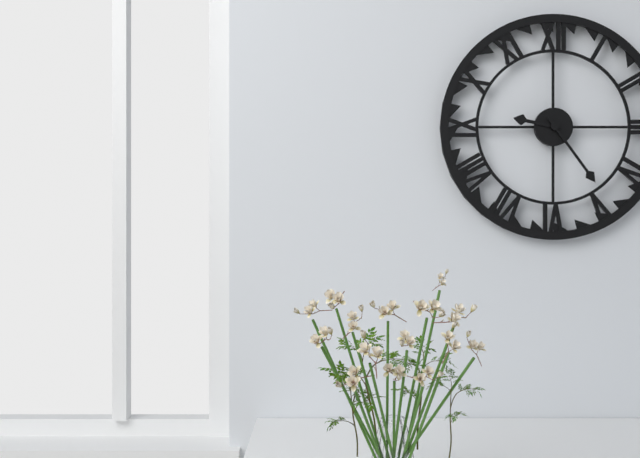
9:24
